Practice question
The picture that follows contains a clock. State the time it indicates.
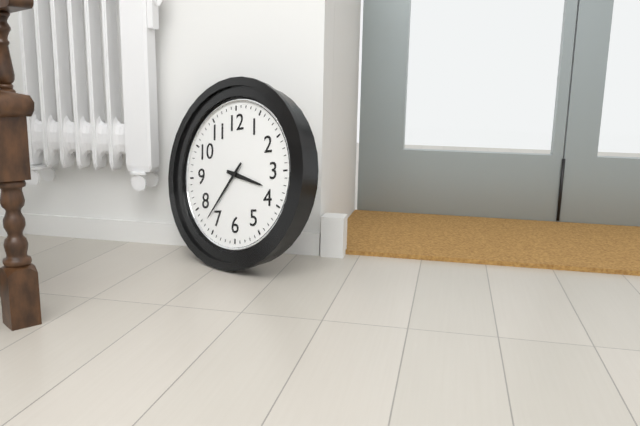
3:37
